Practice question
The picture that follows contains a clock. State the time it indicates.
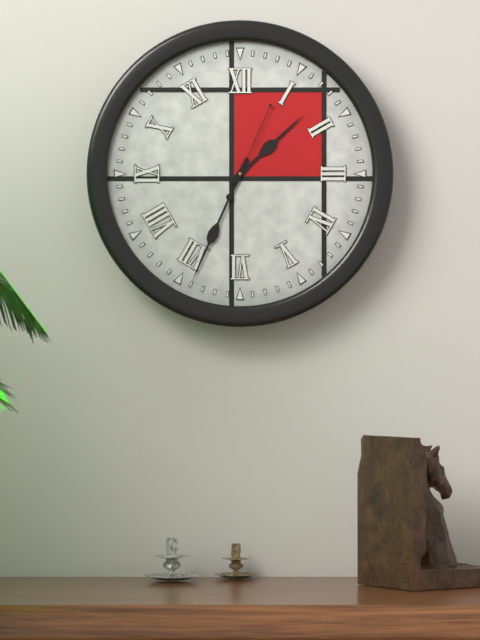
1:34:04
